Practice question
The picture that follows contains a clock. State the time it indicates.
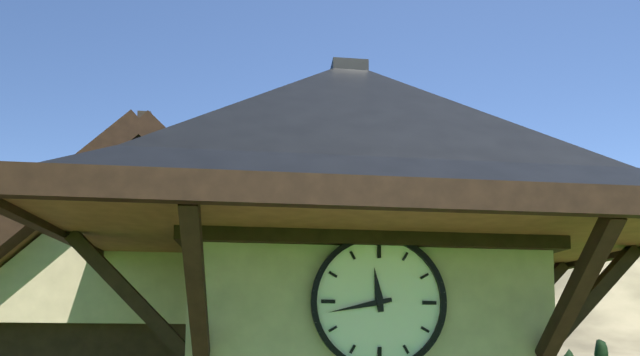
11:43
